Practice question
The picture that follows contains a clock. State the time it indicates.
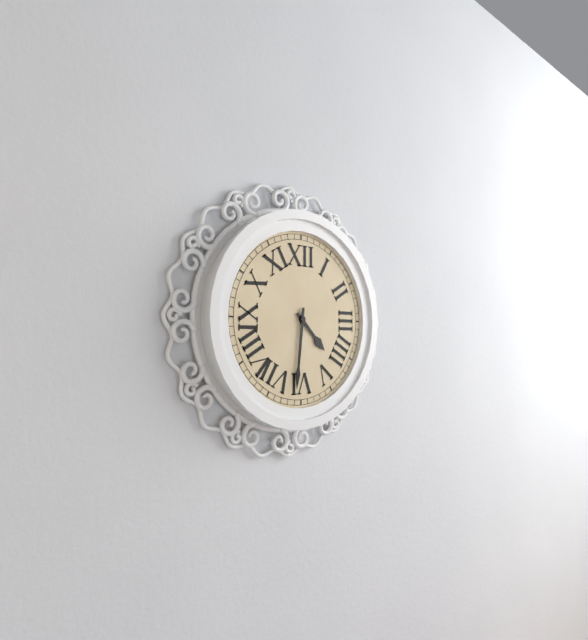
4:31
